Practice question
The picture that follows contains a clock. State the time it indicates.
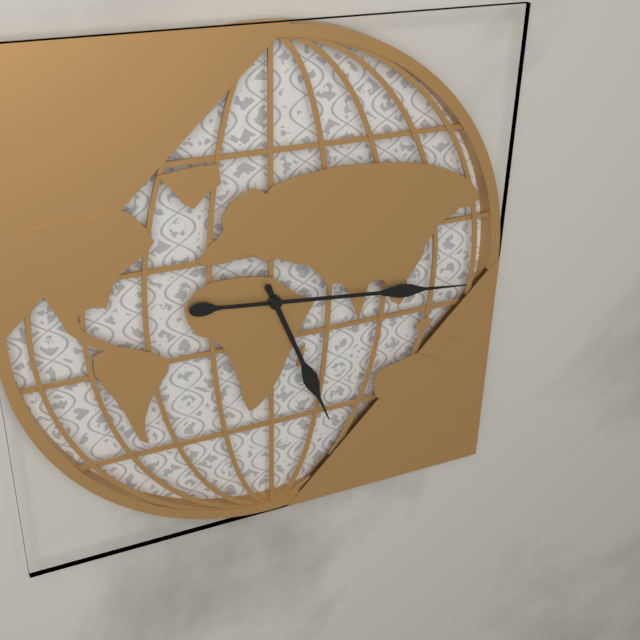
5:16
